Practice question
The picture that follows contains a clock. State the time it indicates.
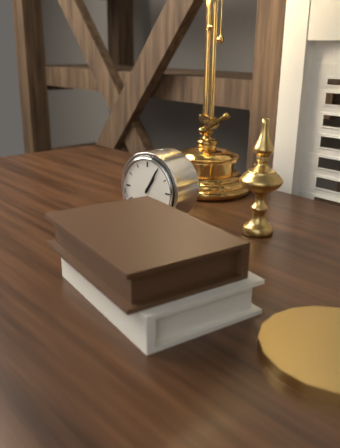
1:05
